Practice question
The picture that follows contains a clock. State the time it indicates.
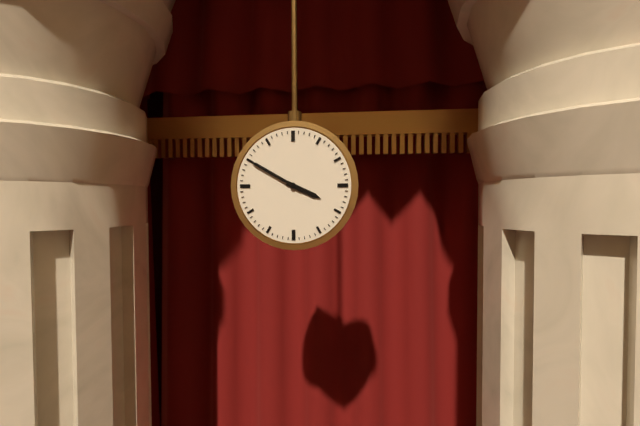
3:50
